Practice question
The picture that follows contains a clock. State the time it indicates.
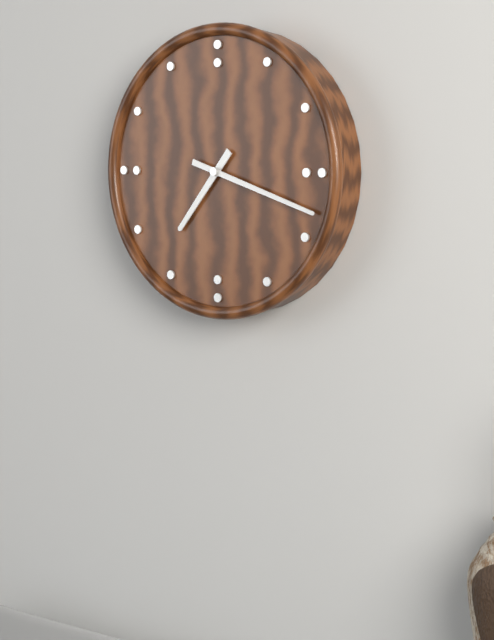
7:18
